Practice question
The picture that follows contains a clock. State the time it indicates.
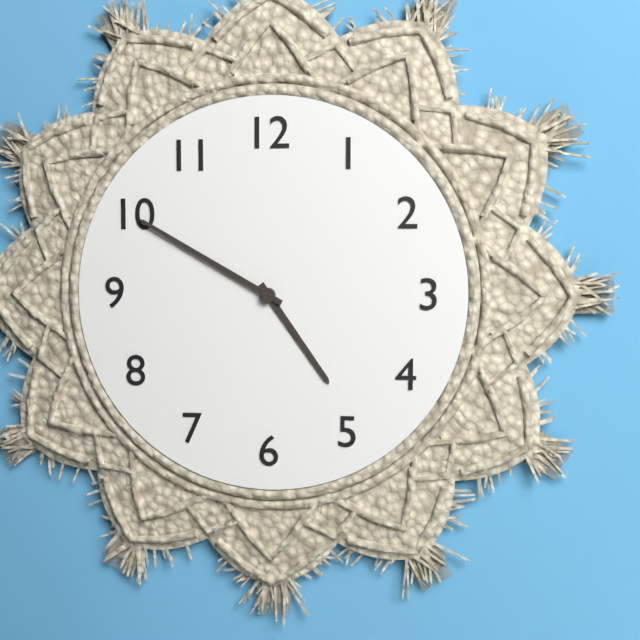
4:50
